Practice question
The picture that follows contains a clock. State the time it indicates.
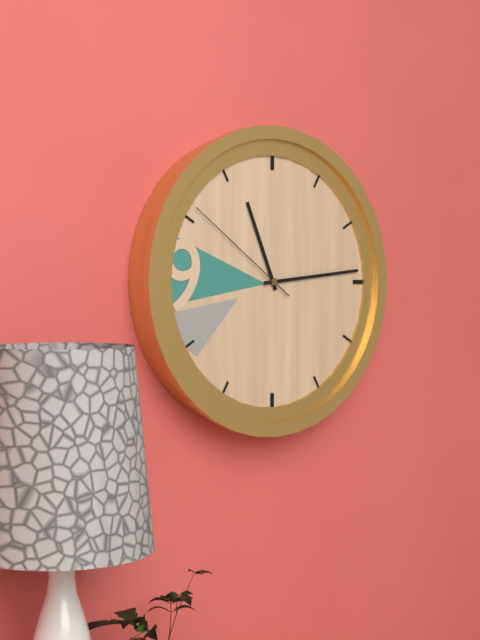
11:14:51
